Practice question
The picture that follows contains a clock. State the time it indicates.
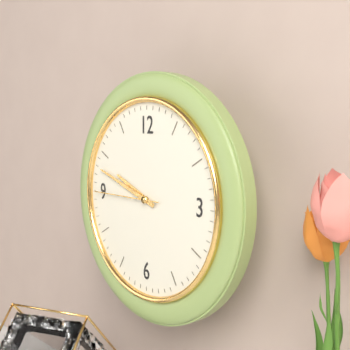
9:48:45
